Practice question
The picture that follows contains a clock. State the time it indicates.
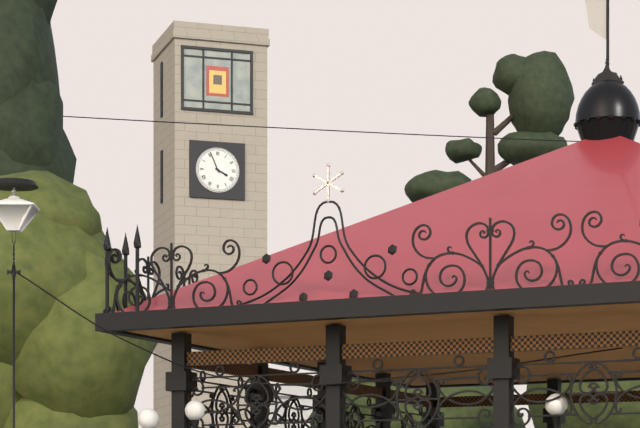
3:56
